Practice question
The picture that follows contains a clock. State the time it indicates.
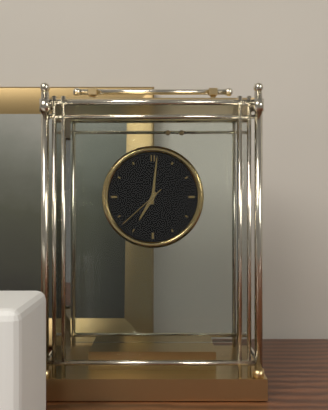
7:01:38
